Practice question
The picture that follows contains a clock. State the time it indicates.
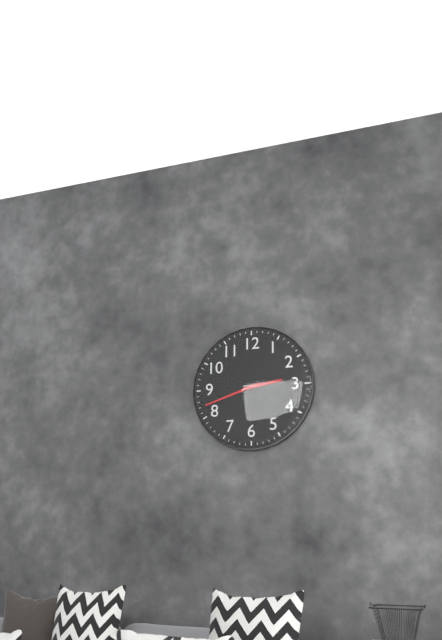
2:42
